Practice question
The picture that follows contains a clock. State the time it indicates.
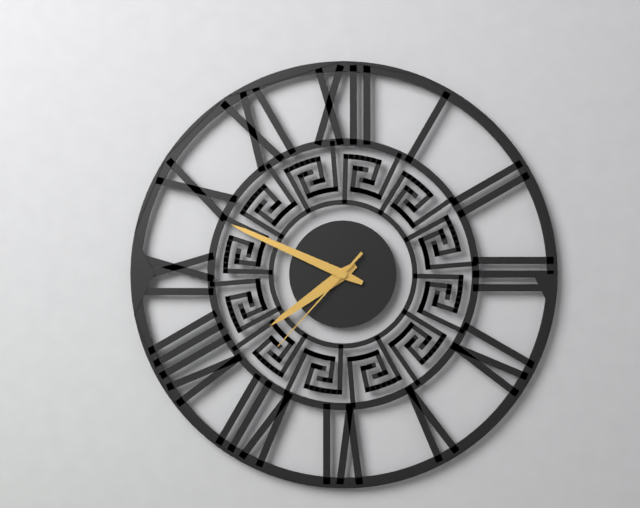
7:49:37
